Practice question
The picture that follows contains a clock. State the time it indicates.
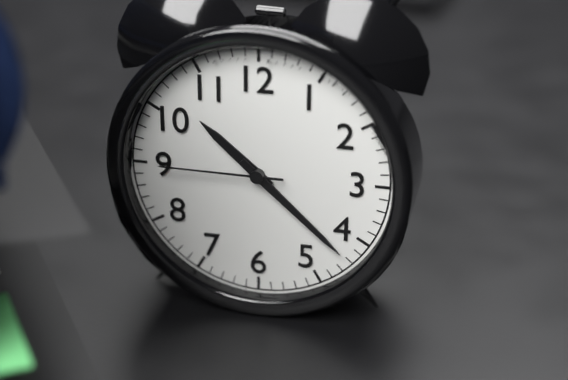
10:22:45
